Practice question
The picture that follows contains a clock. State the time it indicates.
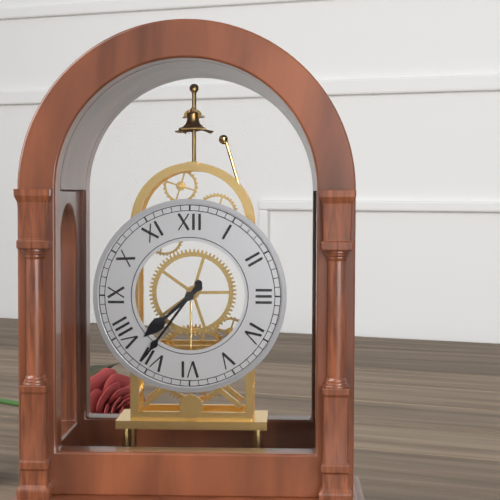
7:36
